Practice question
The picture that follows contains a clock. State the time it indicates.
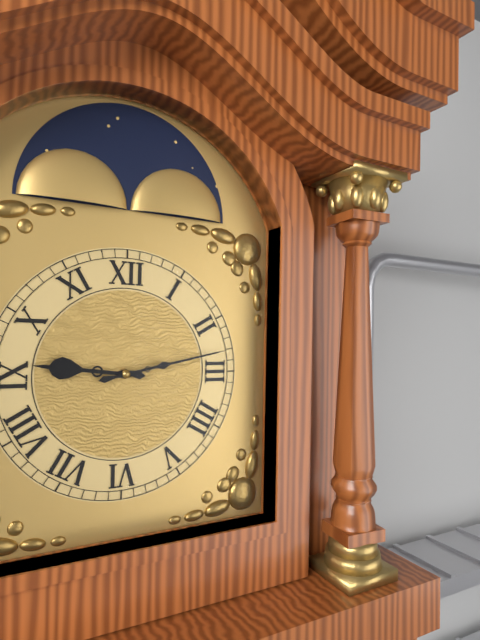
9:13
